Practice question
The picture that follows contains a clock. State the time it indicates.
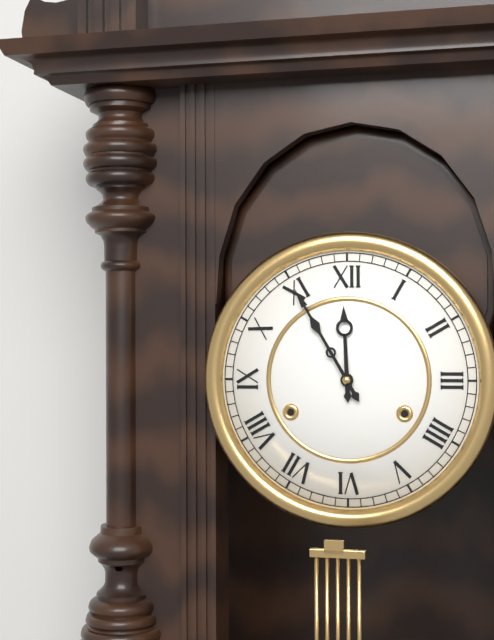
11:55
